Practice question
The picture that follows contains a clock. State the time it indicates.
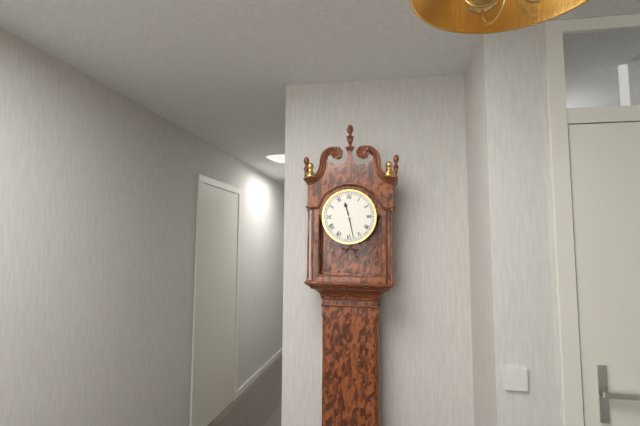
11:28
